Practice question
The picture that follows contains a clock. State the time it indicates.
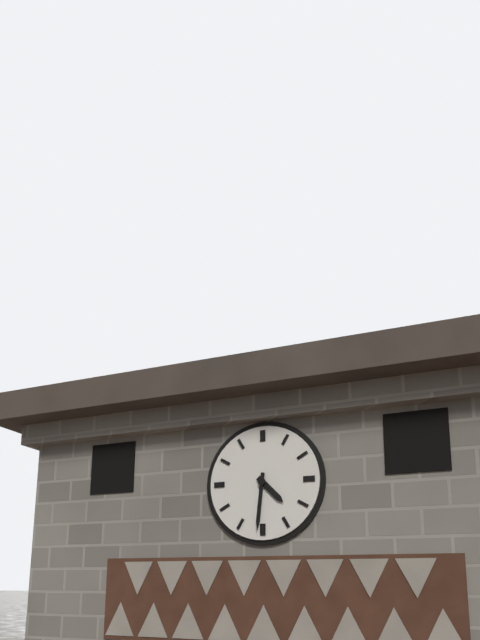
4:31
